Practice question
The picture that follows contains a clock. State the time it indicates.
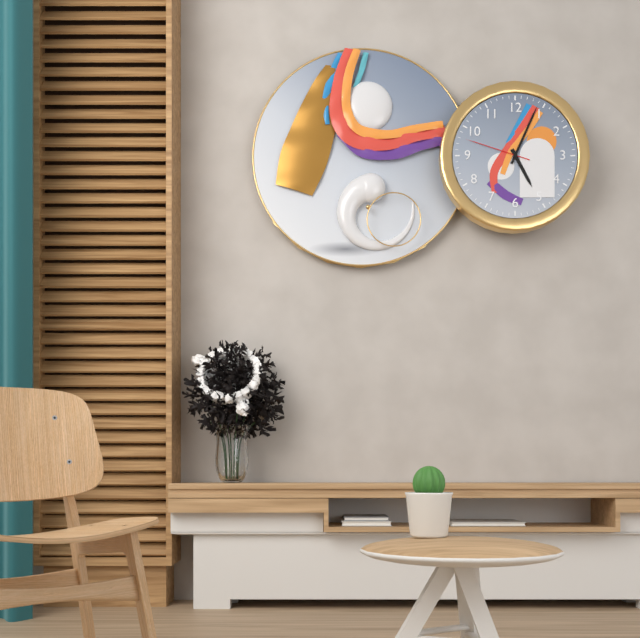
5:04:48
